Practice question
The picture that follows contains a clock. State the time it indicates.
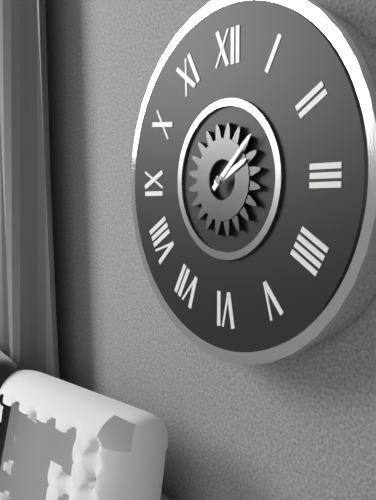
2:08
